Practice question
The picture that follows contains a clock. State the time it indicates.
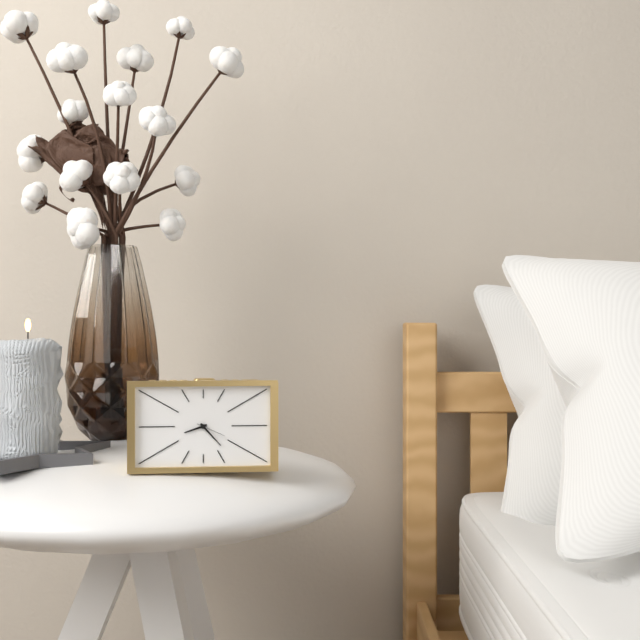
8:23
